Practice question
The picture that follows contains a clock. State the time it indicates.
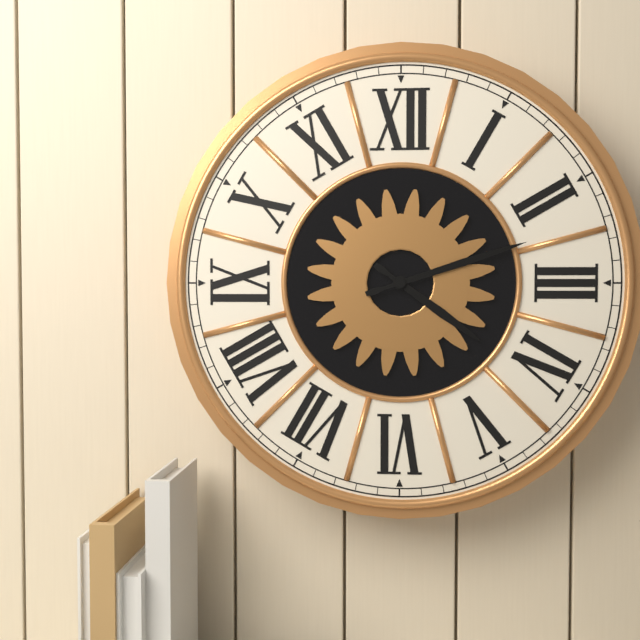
4:12
